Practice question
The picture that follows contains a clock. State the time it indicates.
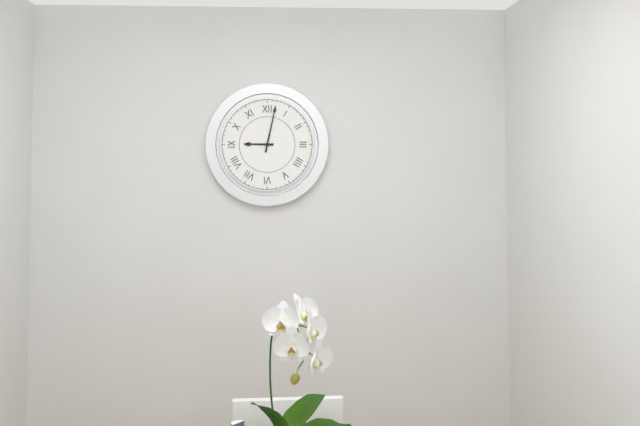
9:02
